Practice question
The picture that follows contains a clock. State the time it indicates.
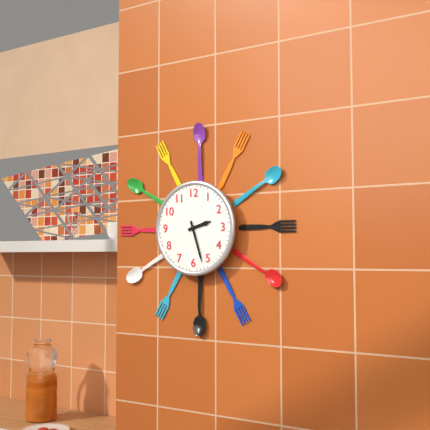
2:27
